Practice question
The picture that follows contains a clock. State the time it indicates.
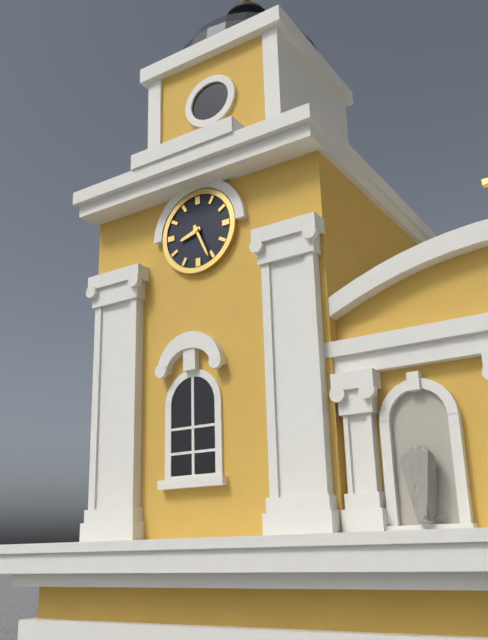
8:26
